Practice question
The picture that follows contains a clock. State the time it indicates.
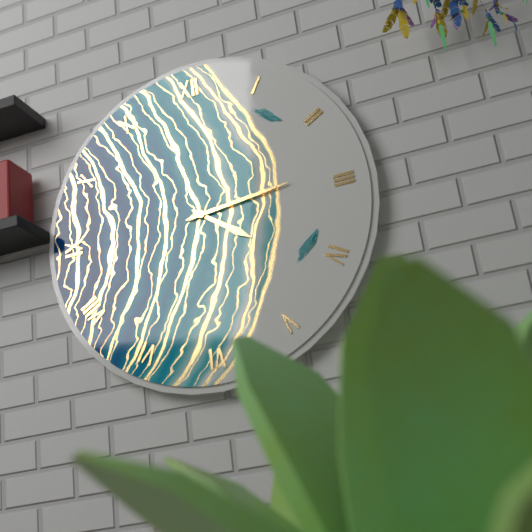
4:14
